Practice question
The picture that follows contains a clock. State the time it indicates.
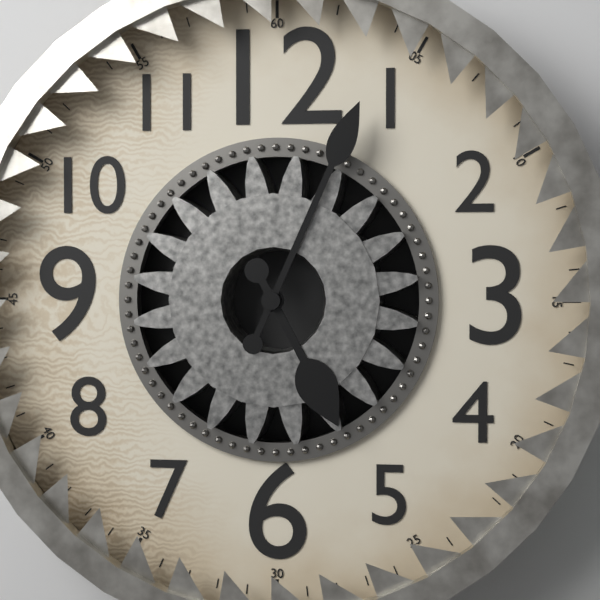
5:04
